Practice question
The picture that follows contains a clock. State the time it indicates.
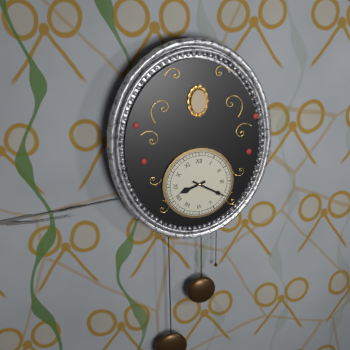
8:20
